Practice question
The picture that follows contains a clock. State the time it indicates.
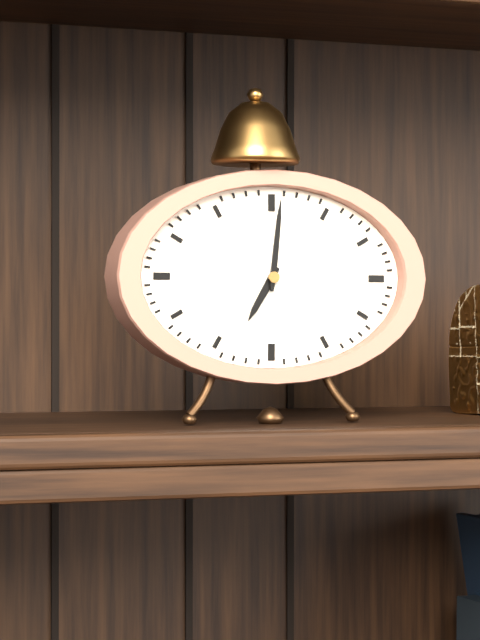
7:01
